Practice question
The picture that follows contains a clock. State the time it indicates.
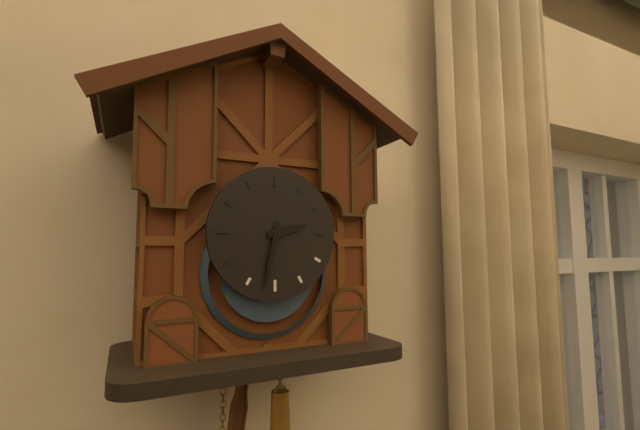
2:32
